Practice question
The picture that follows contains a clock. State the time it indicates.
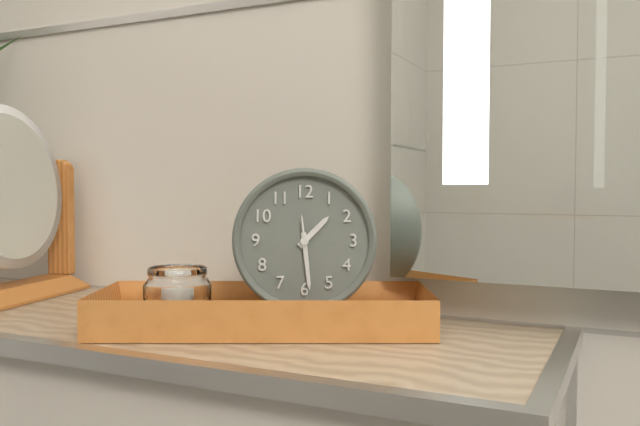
1:29
